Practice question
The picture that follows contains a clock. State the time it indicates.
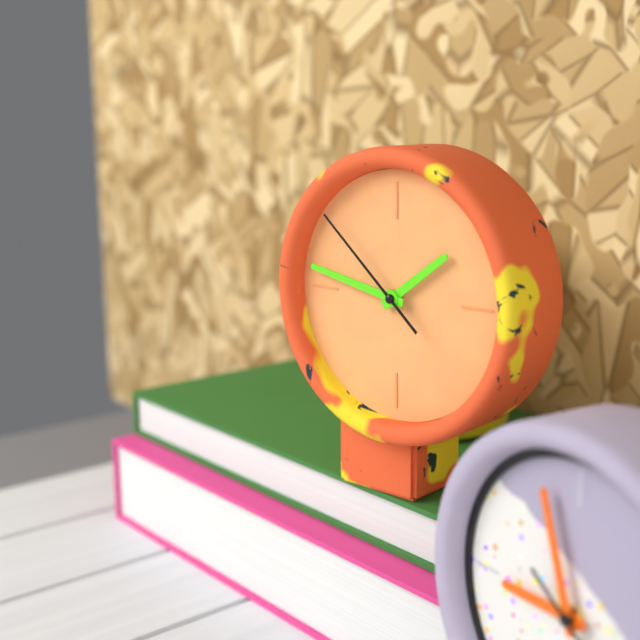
1:47:52
